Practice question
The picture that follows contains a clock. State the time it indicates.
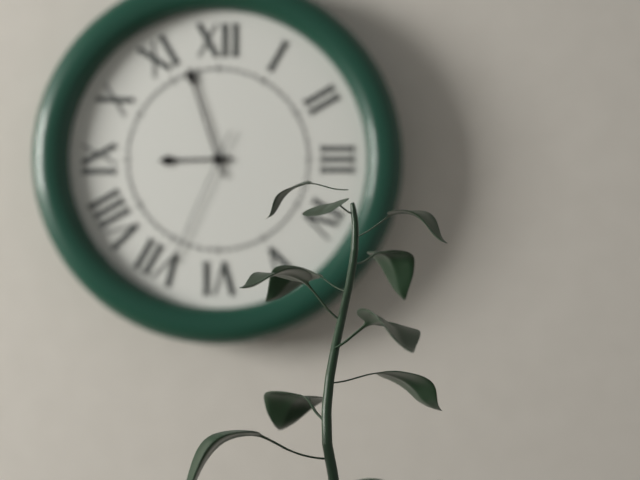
8:57:34
